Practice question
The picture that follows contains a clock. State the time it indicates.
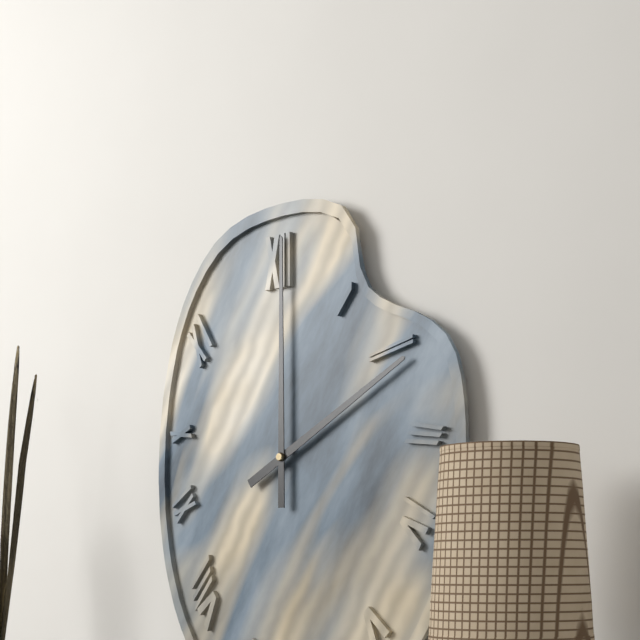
2:00
